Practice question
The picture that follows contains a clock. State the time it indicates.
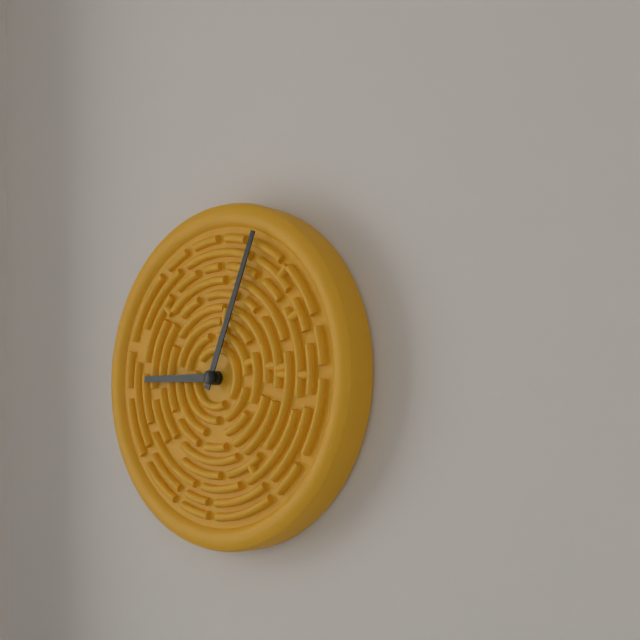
9:04
